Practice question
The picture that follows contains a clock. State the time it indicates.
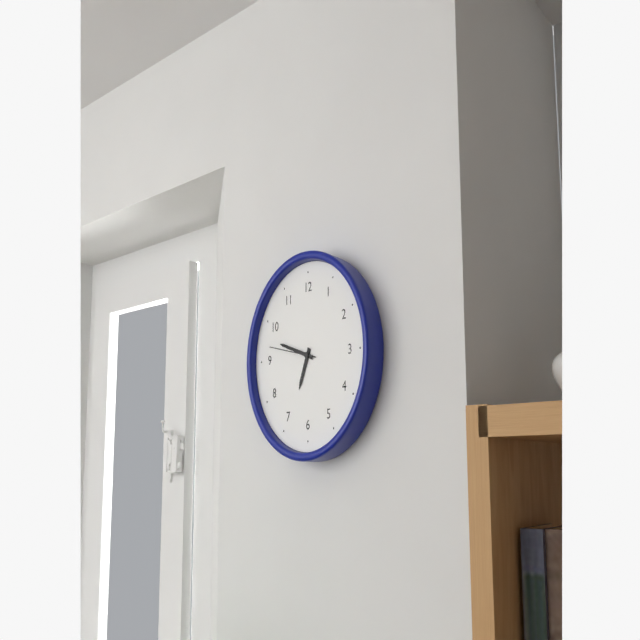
6:48
